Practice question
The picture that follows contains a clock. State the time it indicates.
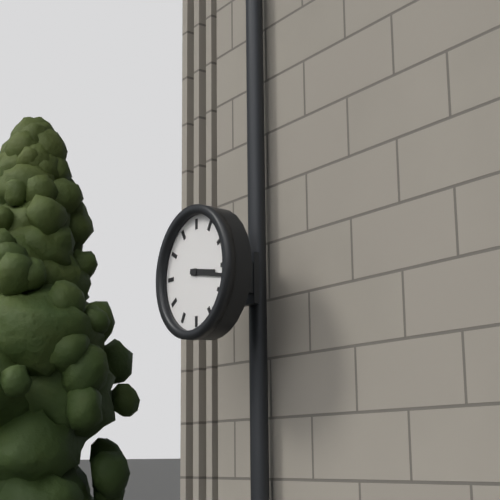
3:17
